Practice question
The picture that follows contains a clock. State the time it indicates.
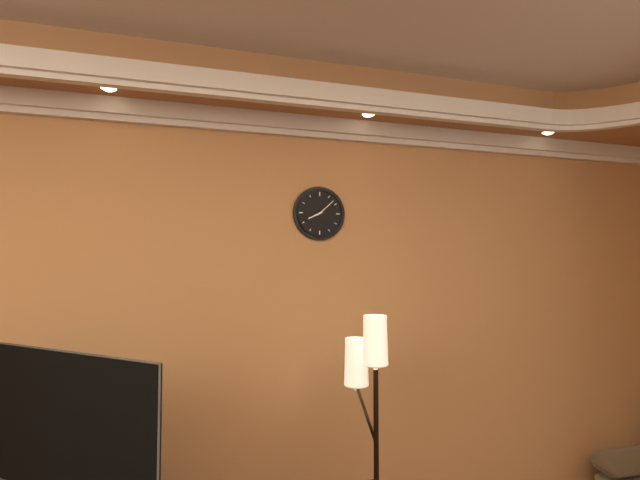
8:08
